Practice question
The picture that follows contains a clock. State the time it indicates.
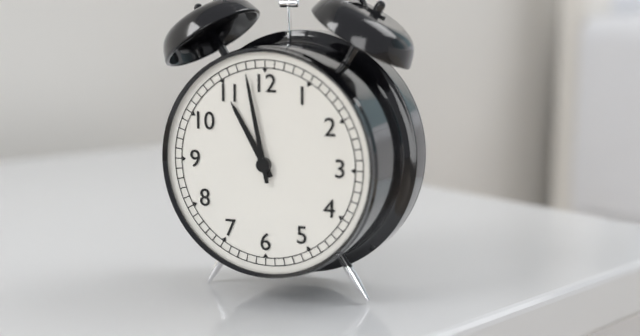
10:58
